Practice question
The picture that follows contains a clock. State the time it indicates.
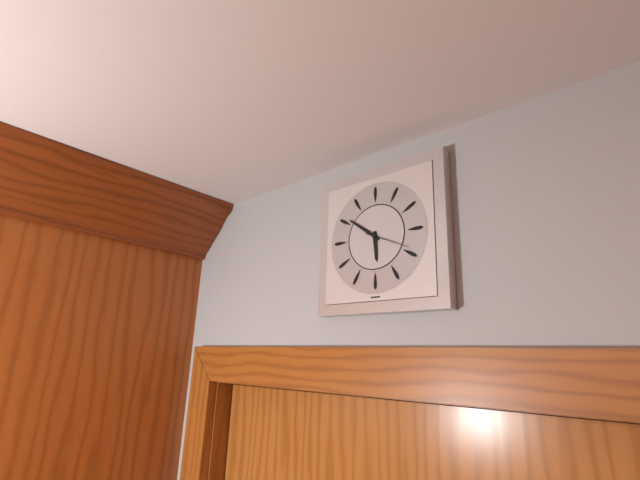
5:51
